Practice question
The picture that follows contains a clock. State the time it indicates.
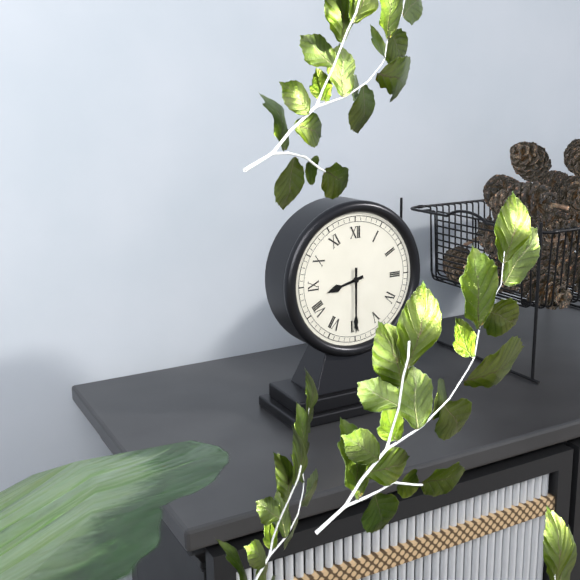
8:30
